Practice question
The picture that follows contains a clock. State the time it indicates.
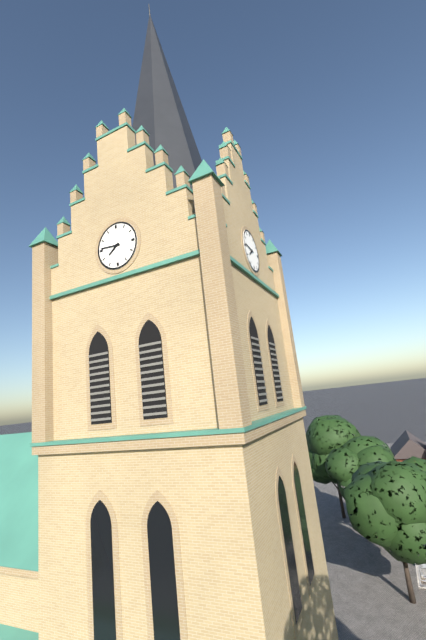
7:46
